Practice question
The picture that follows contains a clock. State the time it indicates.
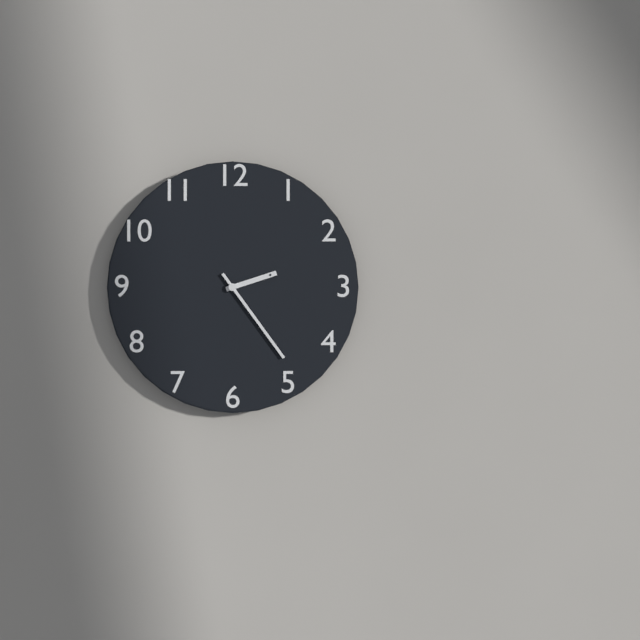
2:24
